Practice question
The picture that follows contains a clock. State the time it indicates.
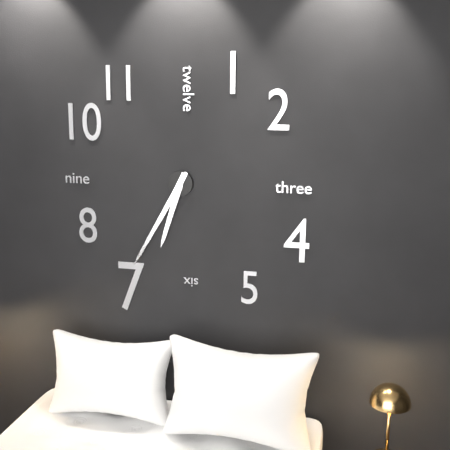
6:35
